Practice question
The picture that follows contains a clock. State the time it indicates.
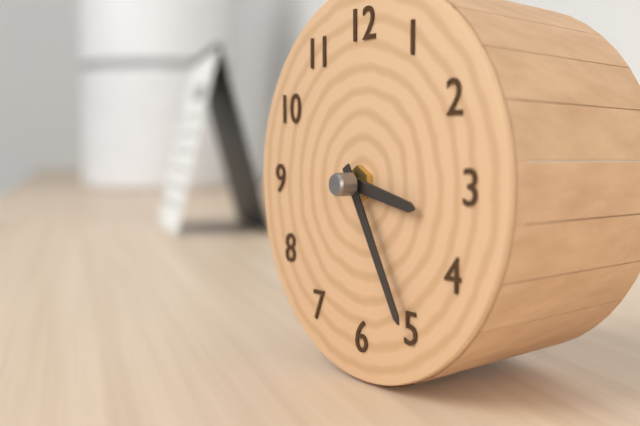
3:25
